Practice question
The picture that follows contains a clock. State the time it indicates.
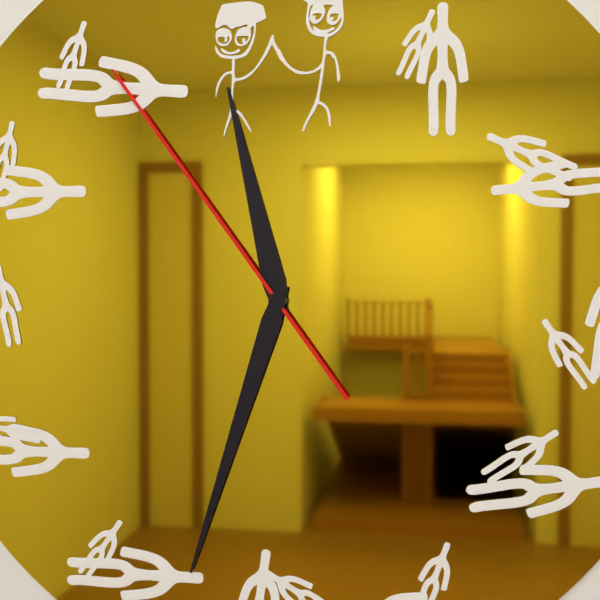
11:33:54
